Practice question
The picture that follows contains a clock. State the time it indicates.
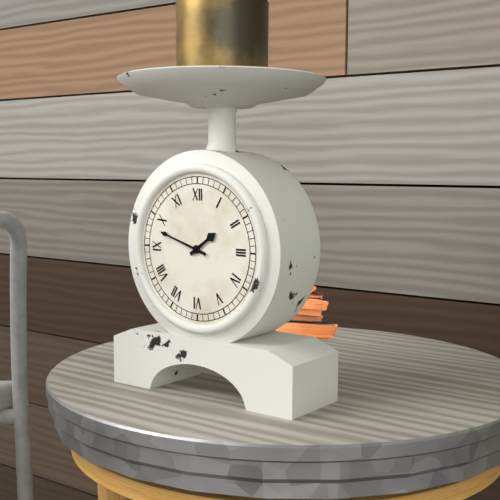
1:48
